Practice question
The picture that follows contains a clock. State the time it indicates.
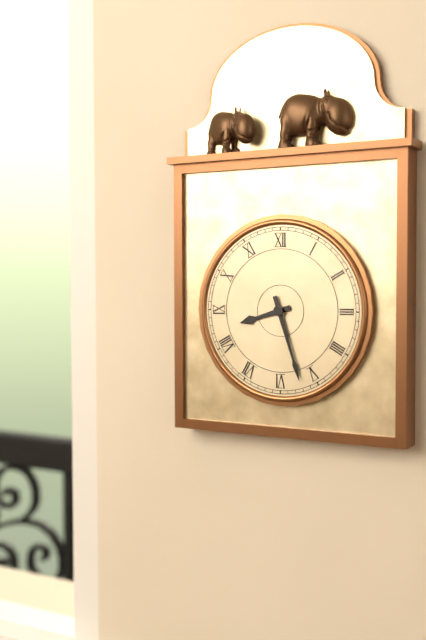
8:27
